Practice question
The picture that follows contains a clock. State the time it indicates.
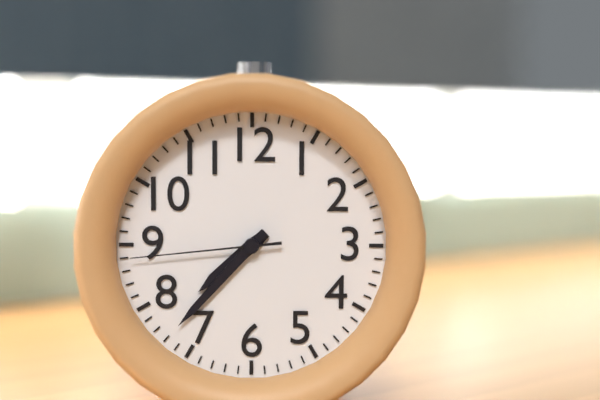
7:37:44
